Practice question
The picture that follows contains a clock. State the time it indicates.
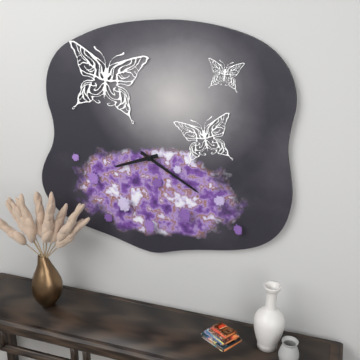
8:20
